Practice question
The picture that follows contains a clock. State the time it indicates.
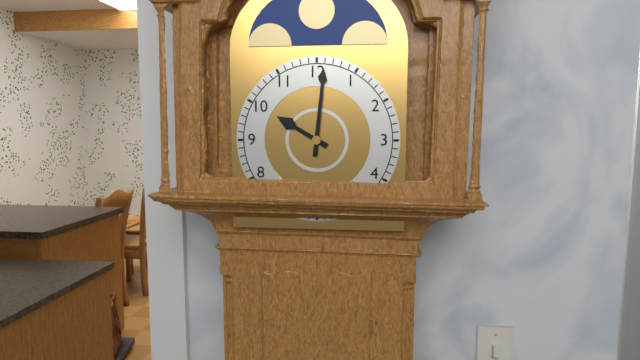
10:01
